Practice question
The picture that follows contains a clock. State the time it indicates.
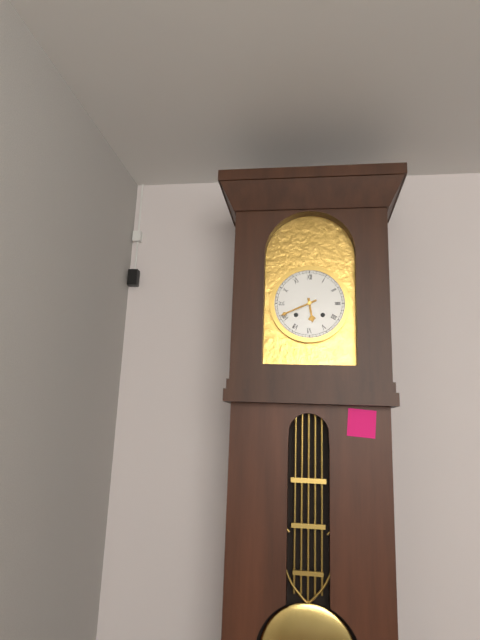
5:41
